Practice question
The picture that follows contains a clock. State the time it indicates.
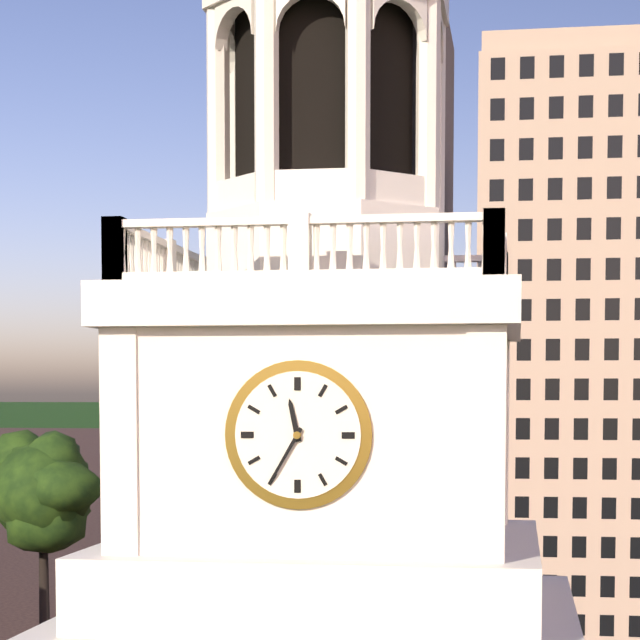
11:35
